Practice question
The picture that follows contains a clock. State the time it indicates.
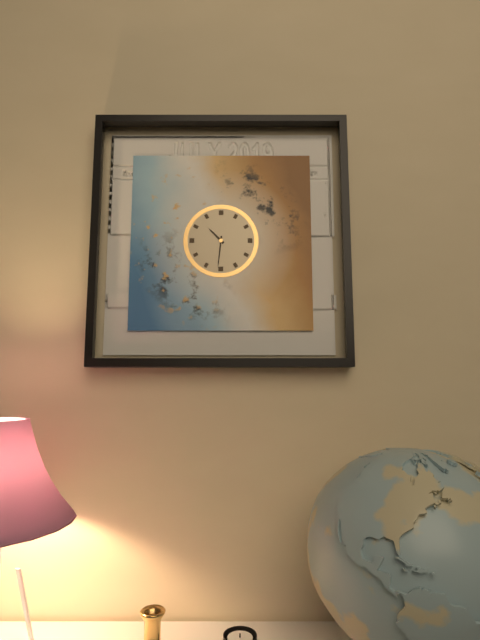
10:31
